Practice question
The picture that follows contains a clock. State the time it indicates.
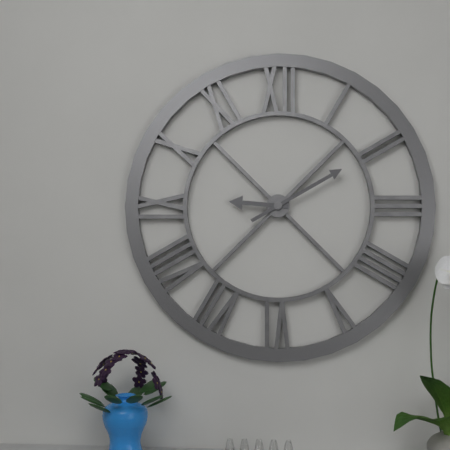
9:10
